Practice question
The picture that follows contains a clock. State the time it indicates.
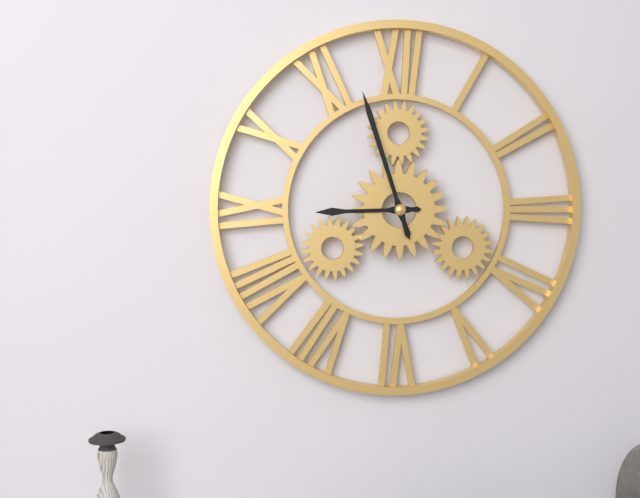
8:57
